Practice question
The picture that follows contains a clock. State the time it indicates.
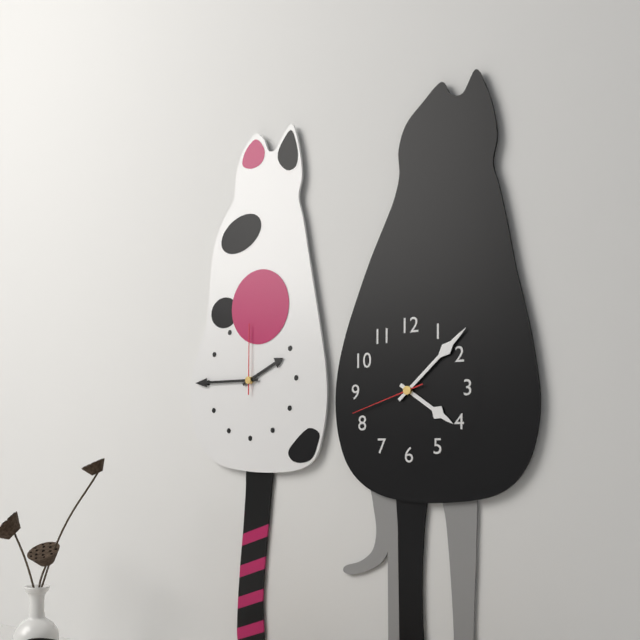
4:08:42
